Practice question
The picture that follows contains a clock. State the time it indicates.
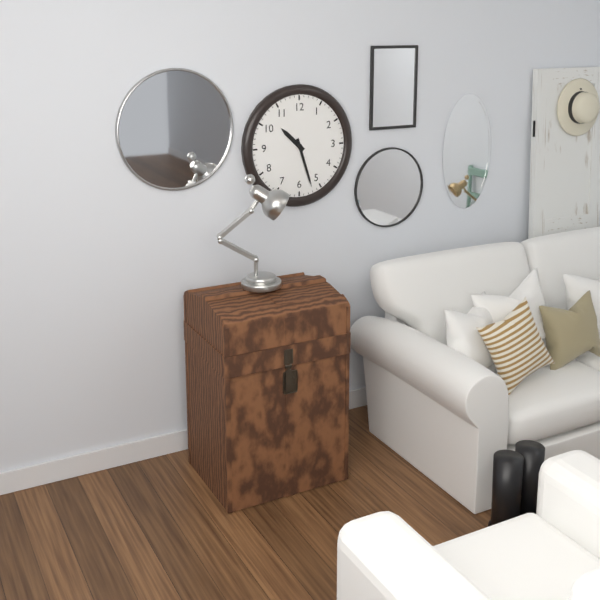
10:27
